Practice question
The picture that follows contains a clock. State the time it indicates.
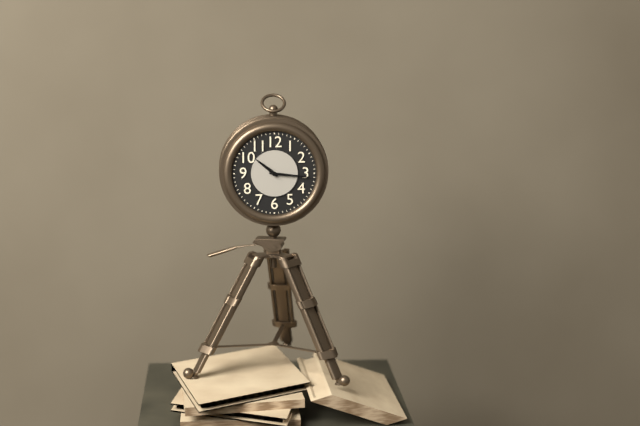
10:16
